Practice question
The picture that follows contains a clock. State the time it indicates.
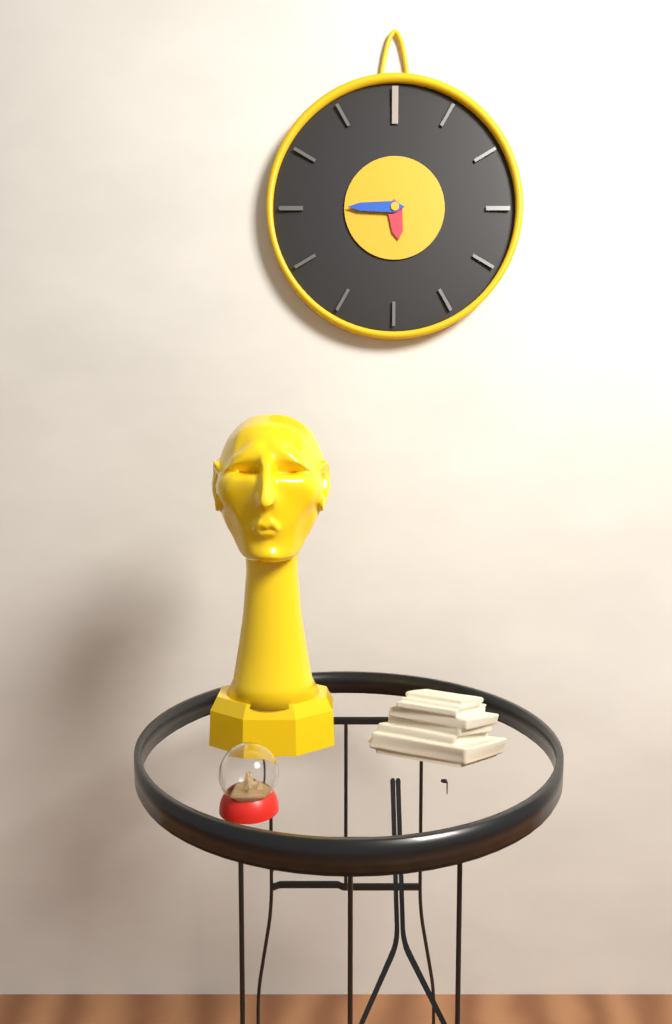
5:45
